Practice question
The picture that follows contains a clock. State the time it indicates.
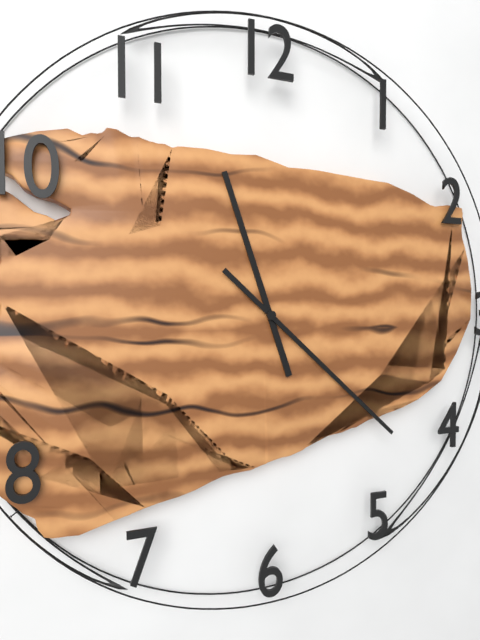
11:22
